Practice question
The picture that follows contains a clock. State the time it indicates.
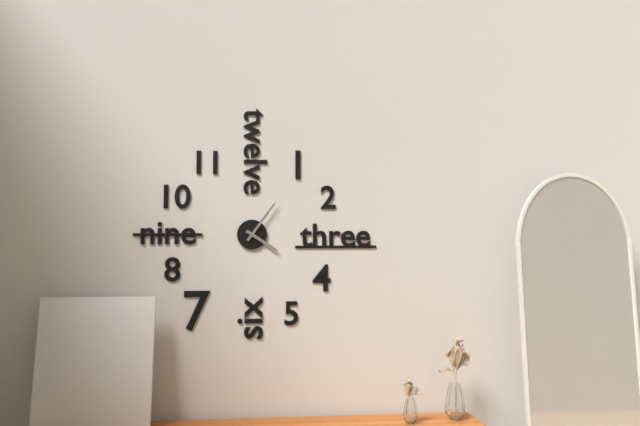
4:06
